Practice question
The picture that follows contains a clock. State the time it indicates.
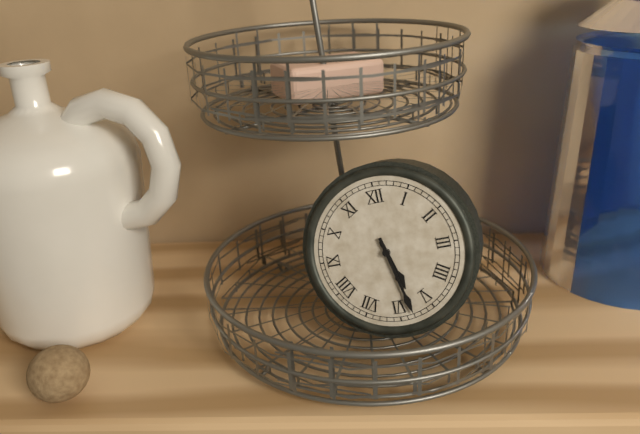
5:28
